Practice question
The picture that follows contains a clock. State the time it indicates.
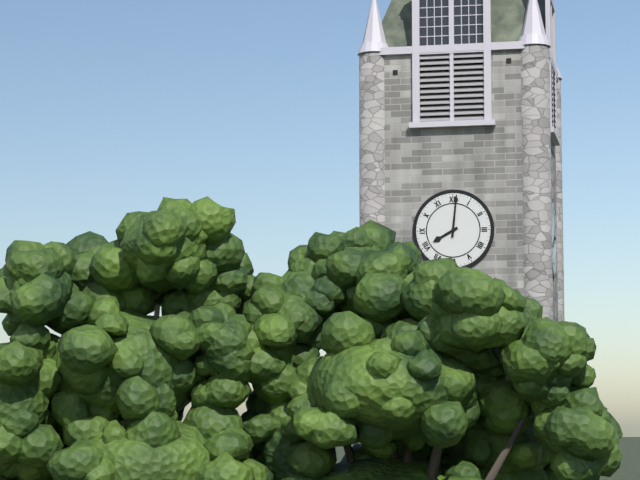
8:01
